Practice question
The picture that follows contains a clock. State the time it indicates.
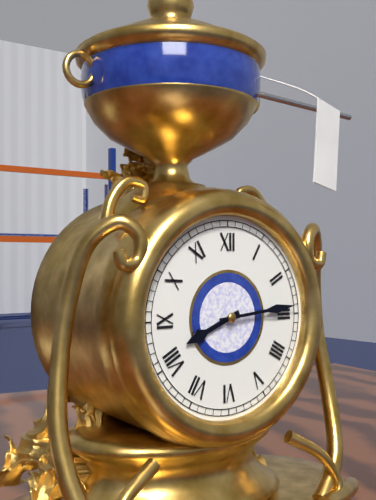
8:14
